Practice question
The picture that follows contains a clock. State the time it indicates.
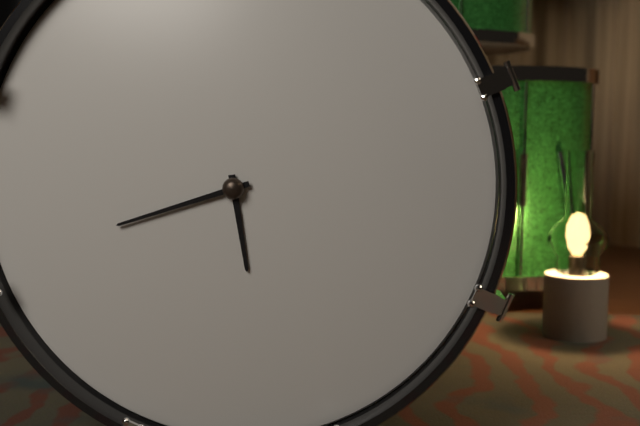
5:42
